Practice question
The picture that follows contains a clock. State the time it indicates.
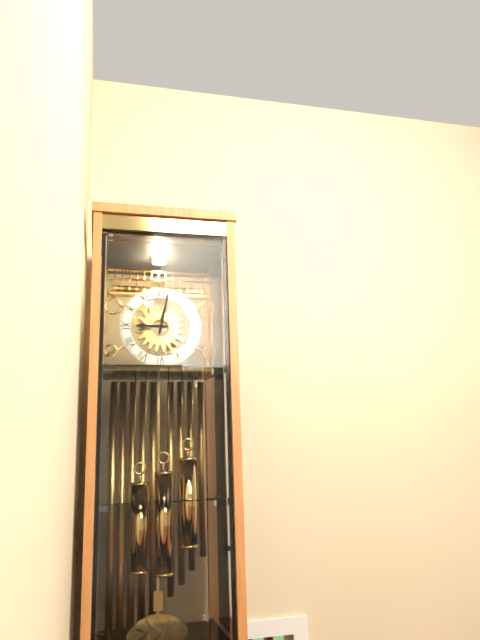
9:02
